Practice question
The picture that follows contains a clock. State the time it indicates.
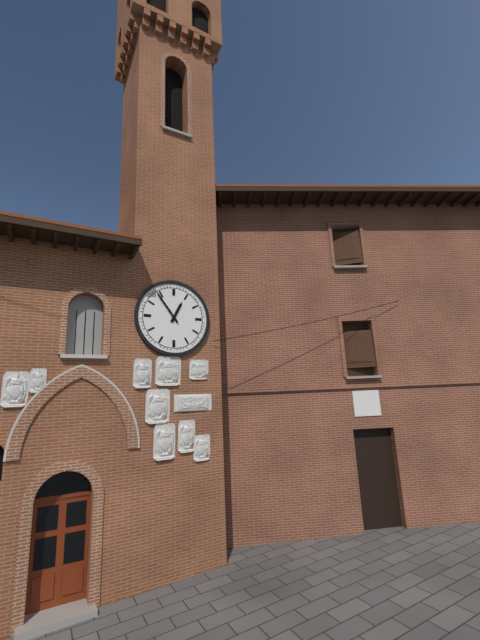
12:54
